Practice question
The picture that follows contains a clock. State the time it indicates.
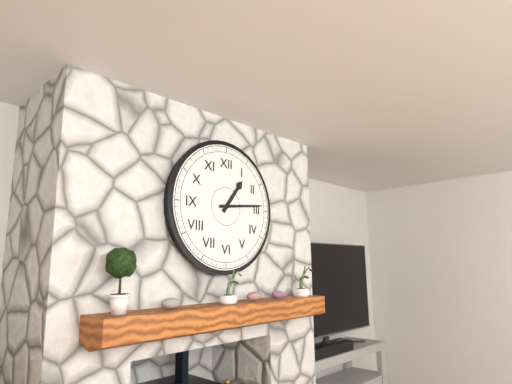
1:14
